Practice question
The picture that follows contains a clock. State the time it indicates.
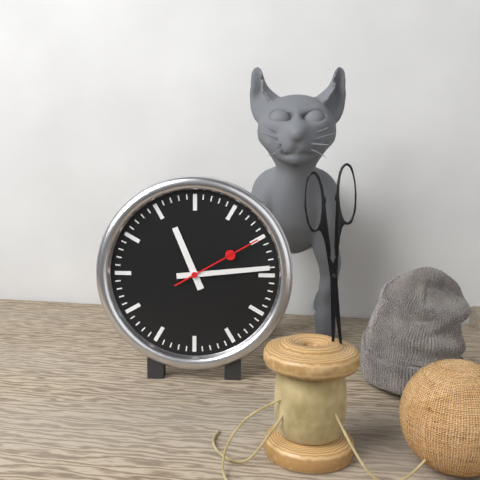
11:14:10
